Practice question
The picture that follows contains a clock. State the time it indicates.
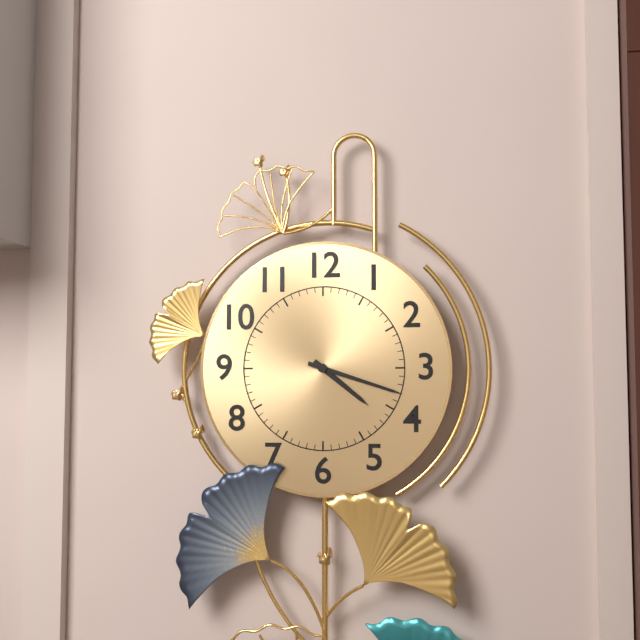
4:18
